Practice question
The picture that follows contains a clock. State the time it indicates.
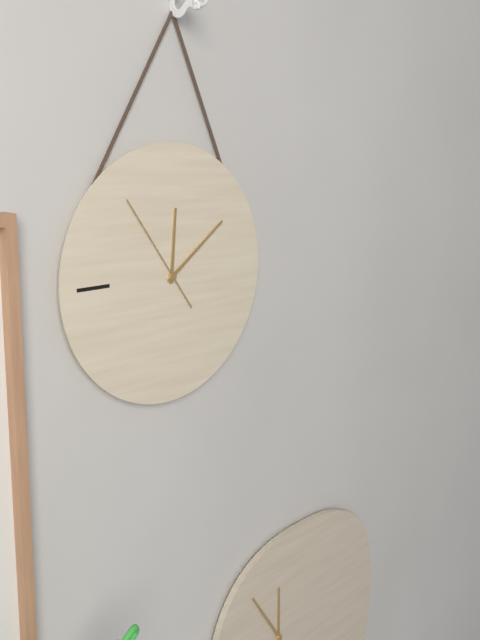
12:09:54
